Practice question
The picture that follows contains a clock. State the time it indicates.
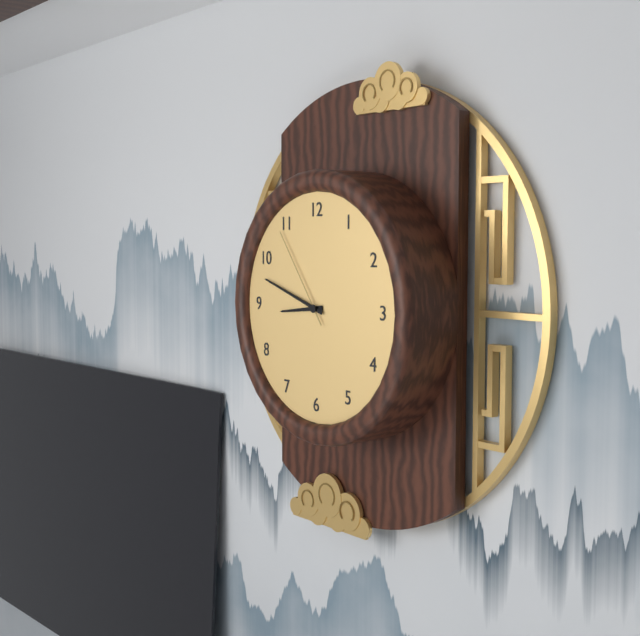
8:48:54
